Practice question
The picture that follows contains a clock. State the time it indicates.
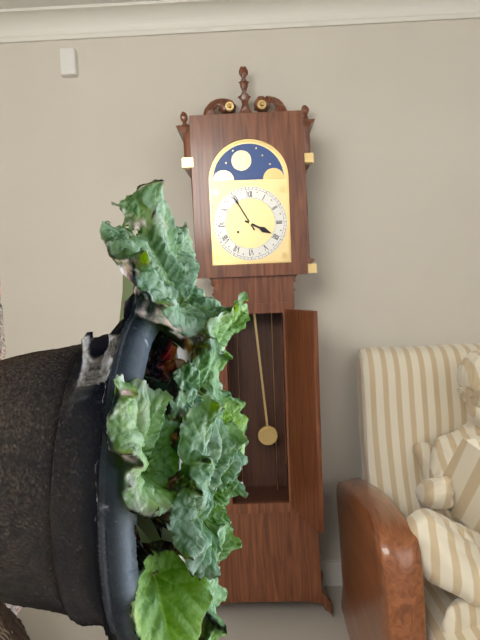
3:55
